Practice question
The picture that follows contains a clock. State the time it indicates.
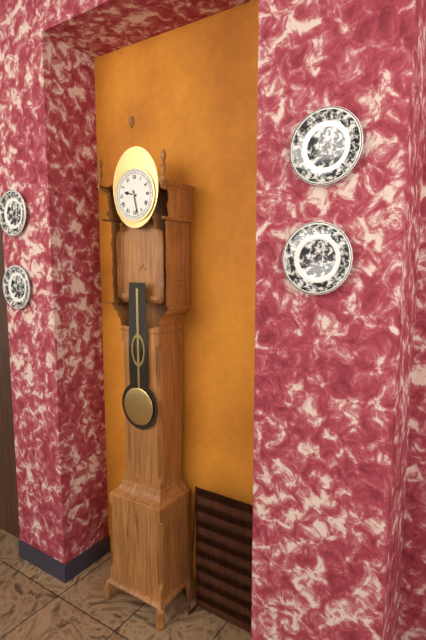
9:28
